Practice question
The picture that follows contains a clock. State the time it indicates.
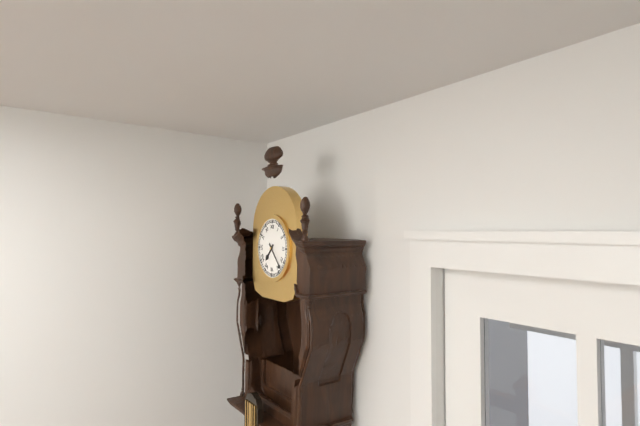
7:23
